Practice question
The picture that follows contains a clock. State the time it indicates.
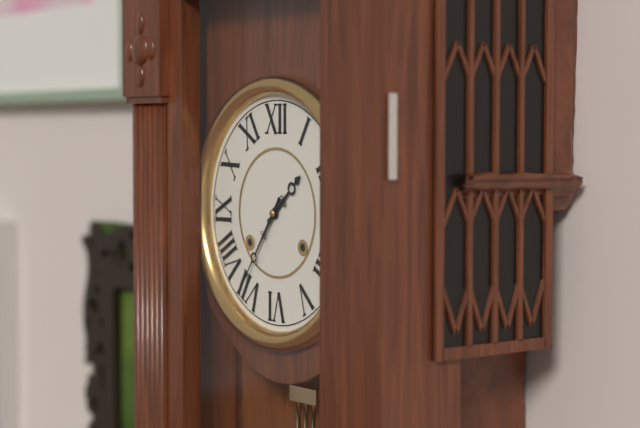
1:36
